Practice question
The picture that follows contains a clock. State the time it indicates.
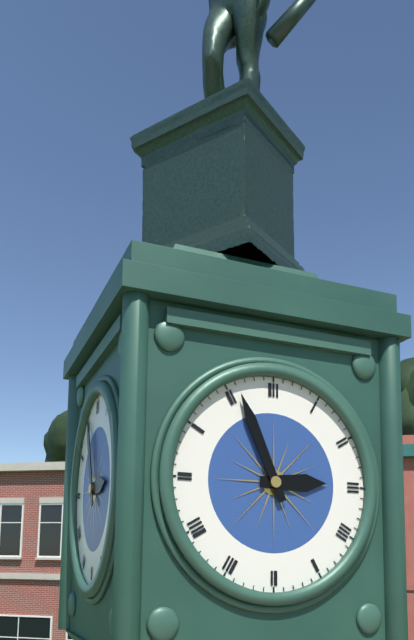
2:56
